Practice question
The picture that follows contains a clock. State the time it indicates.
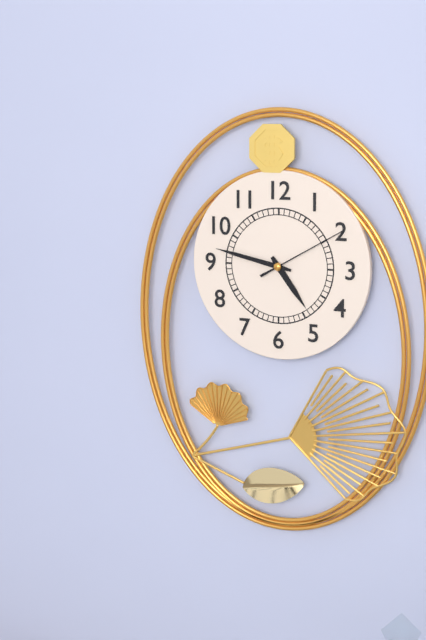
4:47:10
